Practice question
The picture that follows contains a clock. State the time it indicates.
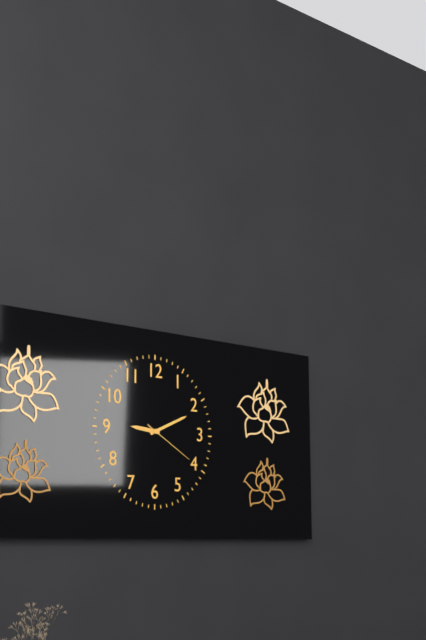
9:11:20
